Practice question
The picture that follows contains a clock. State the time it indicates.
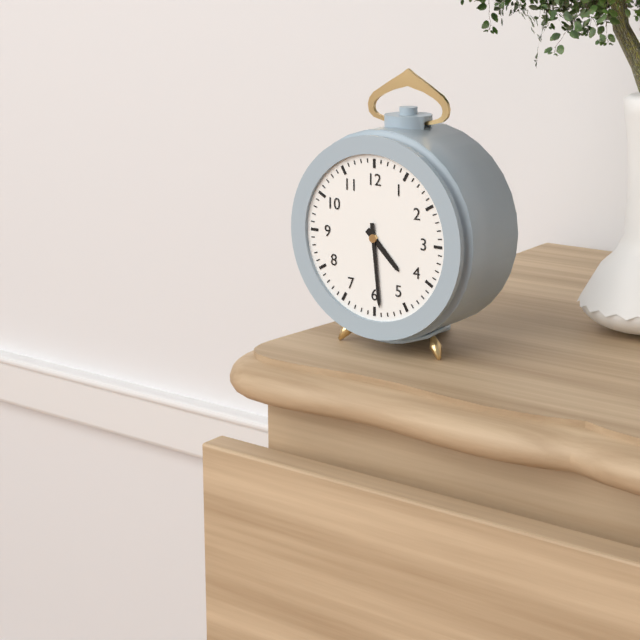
4:29
